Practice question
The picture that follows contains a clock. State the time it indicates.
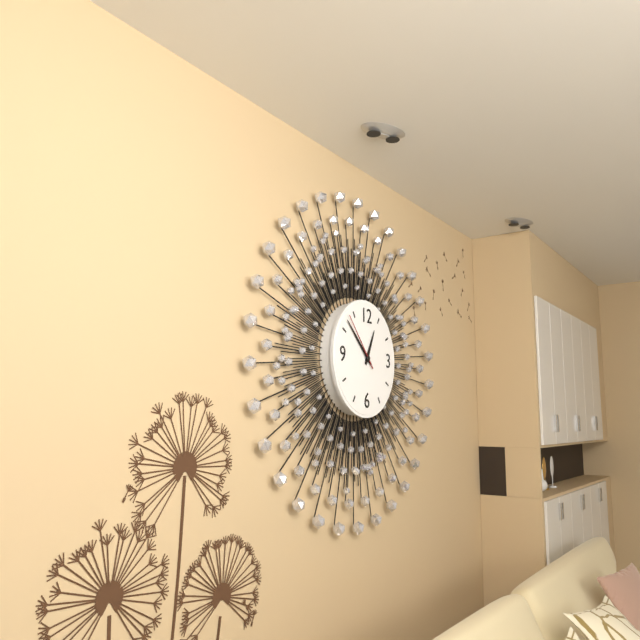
12:52:53
